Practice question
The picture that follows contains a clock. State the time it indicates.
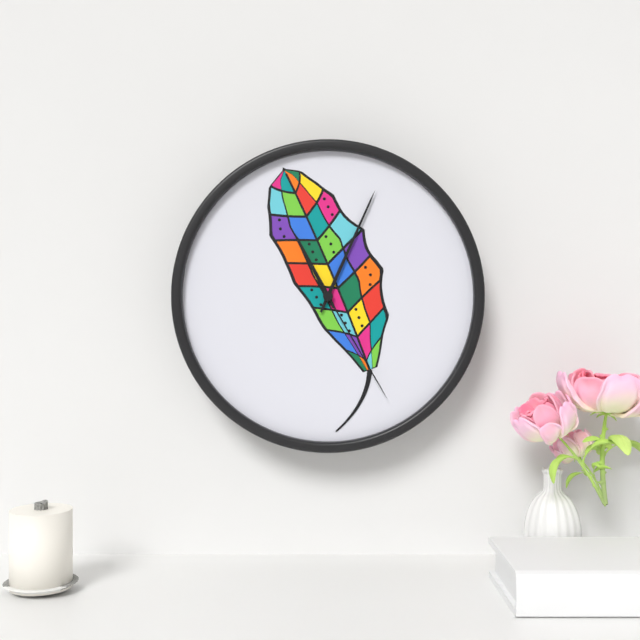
11:04:25
